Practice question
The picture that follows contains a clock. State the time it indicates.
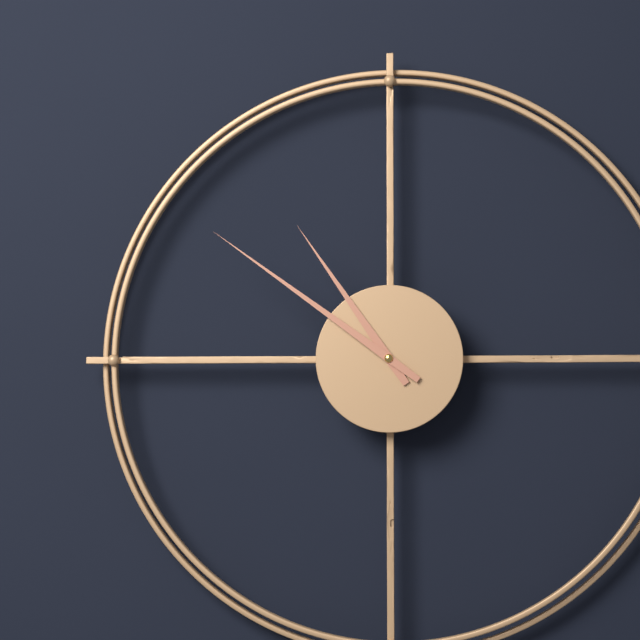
10:51
